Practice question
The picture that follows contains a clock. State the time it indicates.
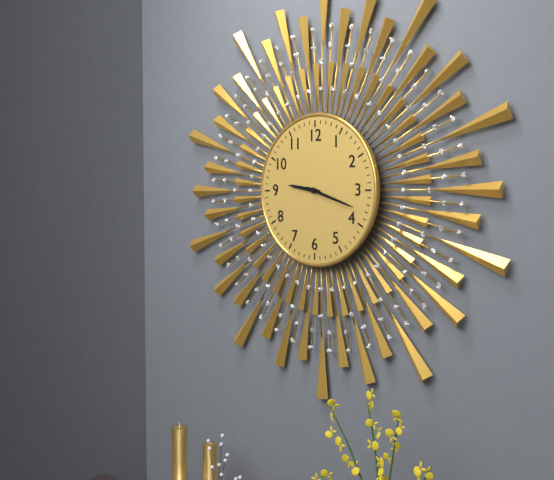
9:18
